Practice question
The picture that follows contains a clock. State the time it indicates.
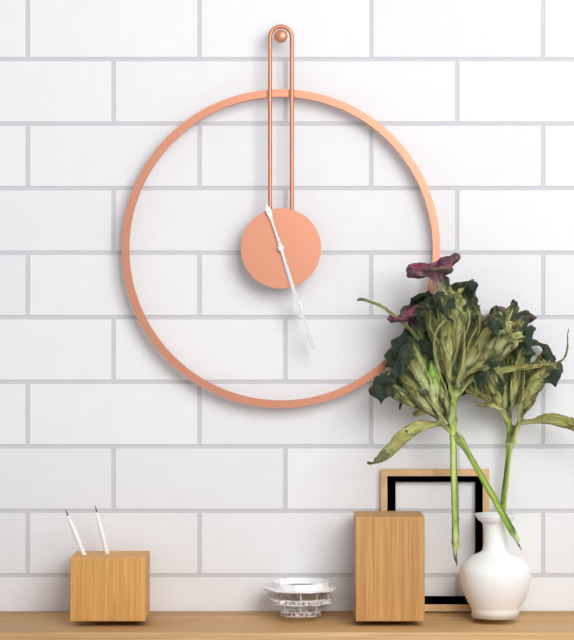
5:27
